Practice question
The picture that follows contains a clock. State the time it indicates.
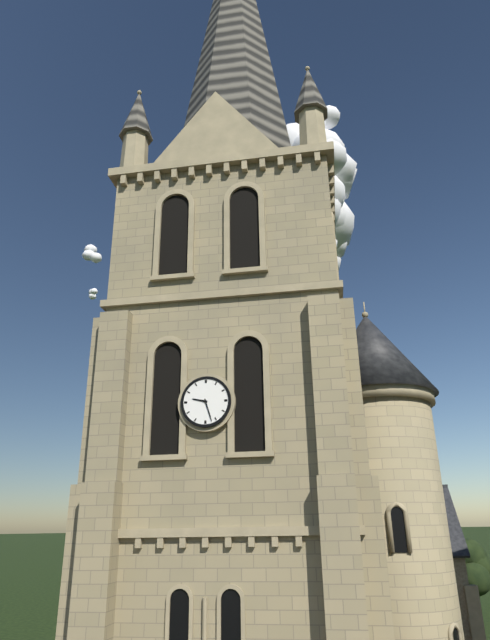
9:27
